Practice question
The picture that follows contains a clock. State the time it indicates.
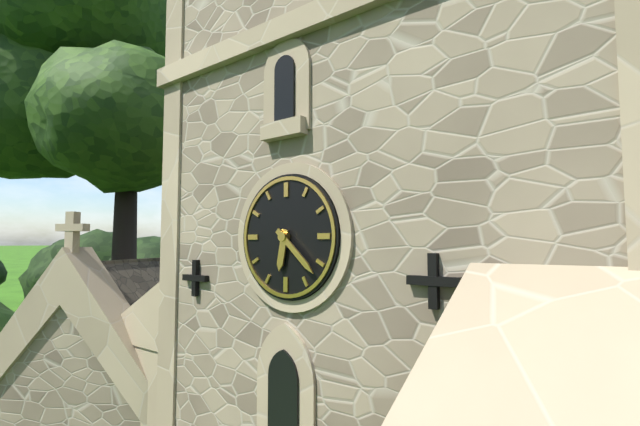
6:22
